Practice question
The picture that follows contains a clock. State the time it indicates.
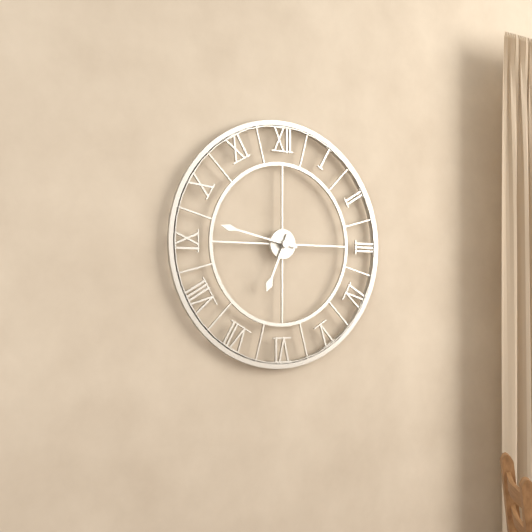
6:47
